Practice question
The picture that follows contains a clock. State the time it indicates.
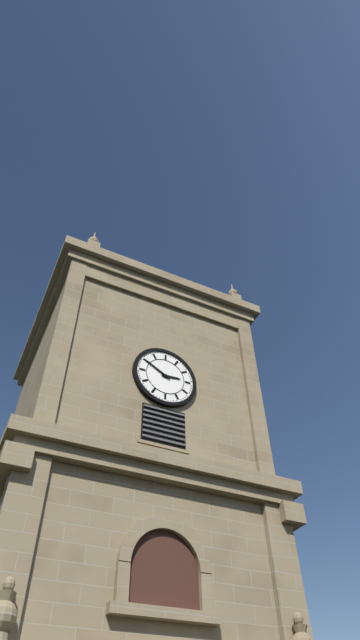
2:50
